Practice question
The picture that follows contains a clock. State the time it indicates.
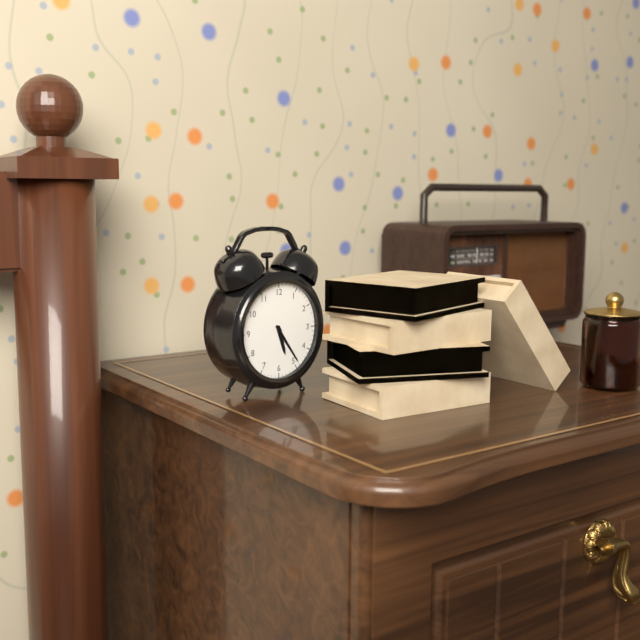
5:24
